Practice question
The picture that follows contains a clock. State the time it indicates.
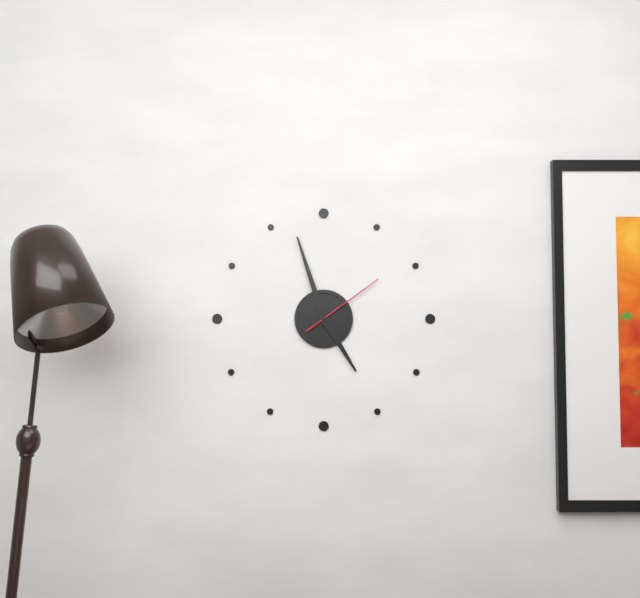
4:57:09
